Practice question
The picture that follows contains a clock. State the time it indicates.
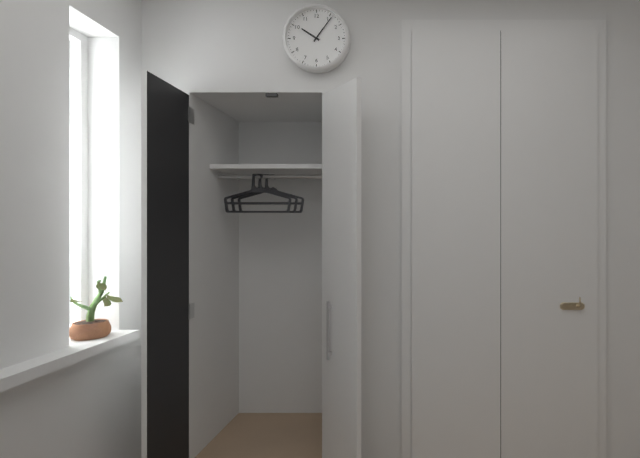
10:06
